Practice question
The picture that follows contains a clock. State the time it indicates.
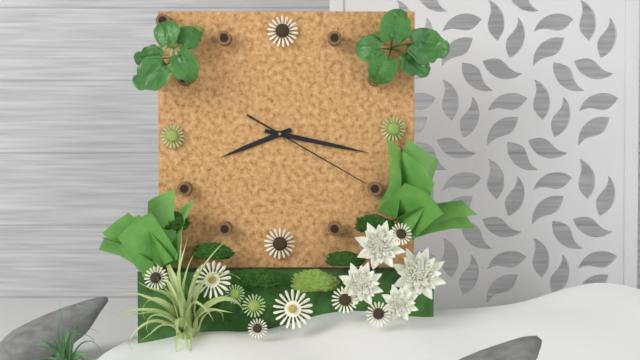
8:17:20
